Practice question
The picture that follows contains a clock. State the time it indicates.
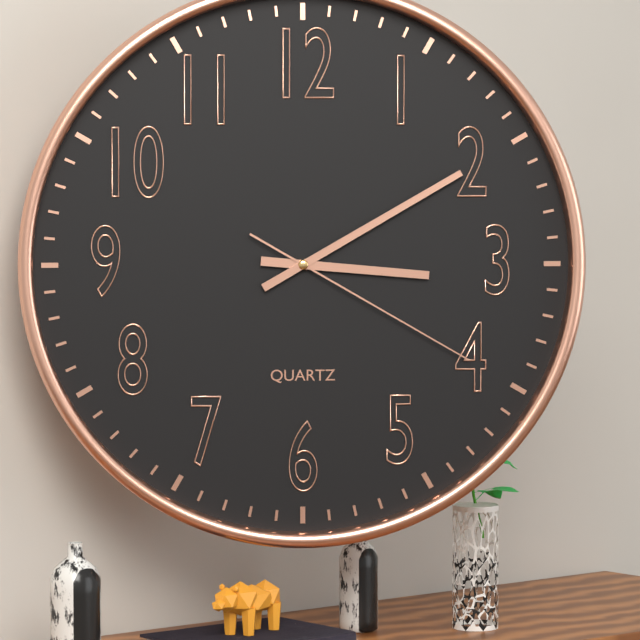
3:10:20
